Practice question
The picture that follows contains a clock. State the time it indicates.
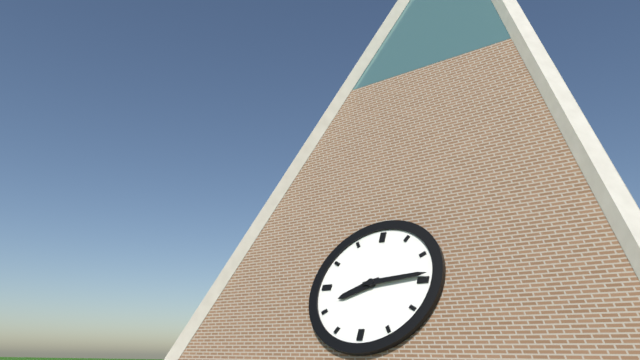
8:14
